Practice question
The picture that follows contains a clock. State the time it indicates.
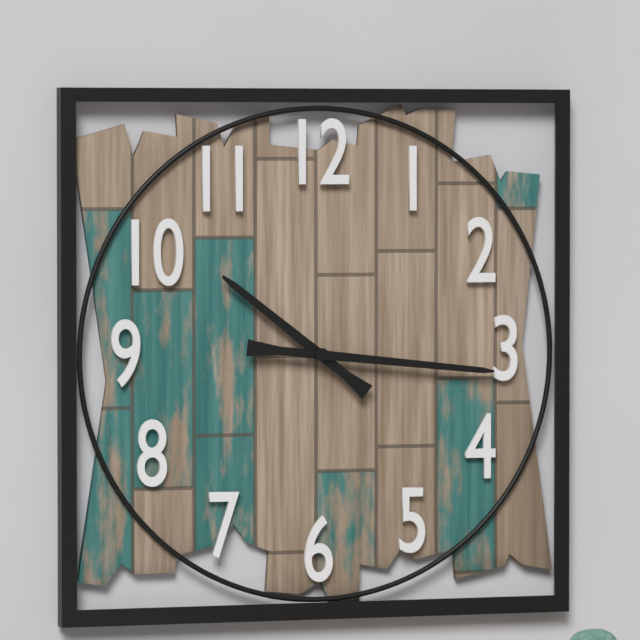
10:16
